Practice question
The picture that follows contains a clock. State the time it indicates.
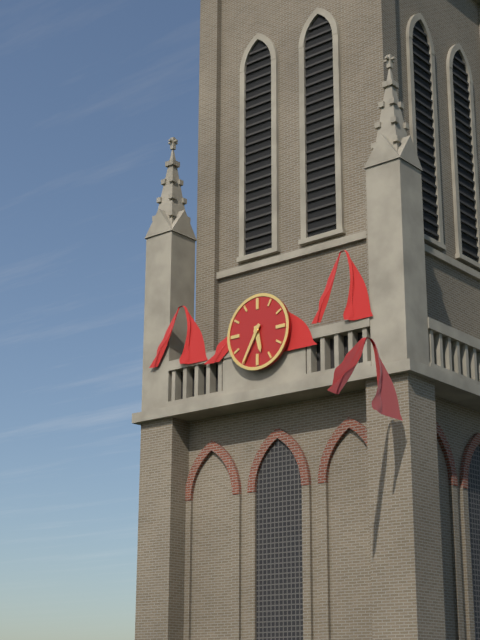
5:35
